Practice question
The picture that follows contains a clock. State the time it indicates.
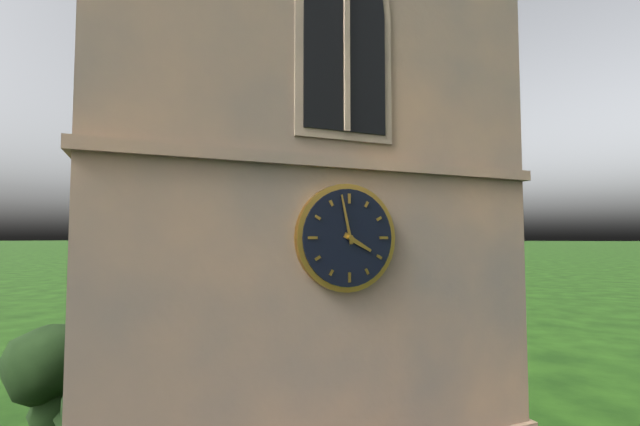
3:58
